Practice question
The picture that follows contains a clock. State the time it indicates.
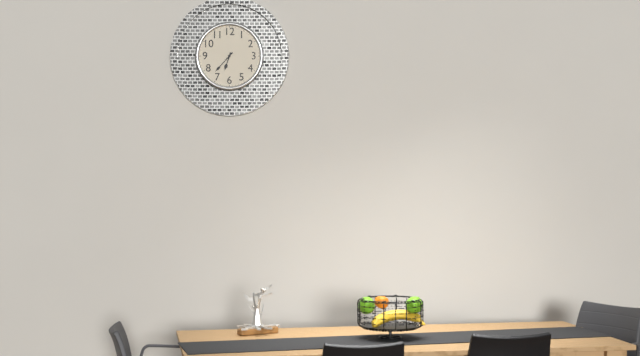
6:37
